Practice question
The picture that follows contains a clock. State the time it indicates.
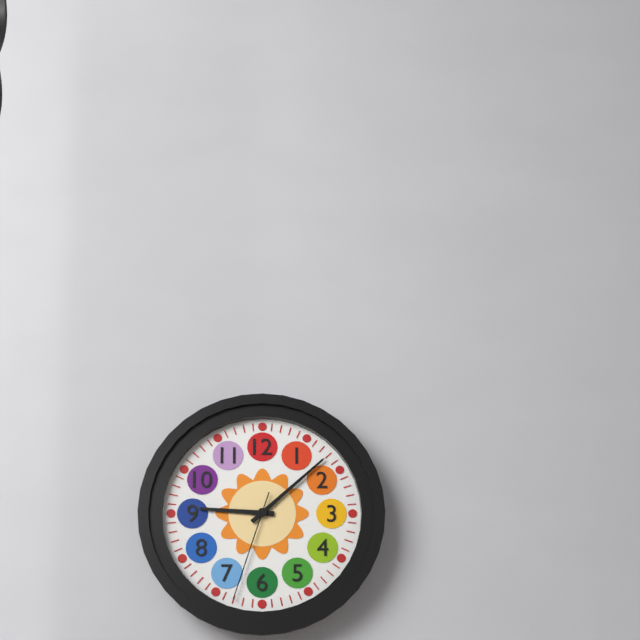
9:08:33
